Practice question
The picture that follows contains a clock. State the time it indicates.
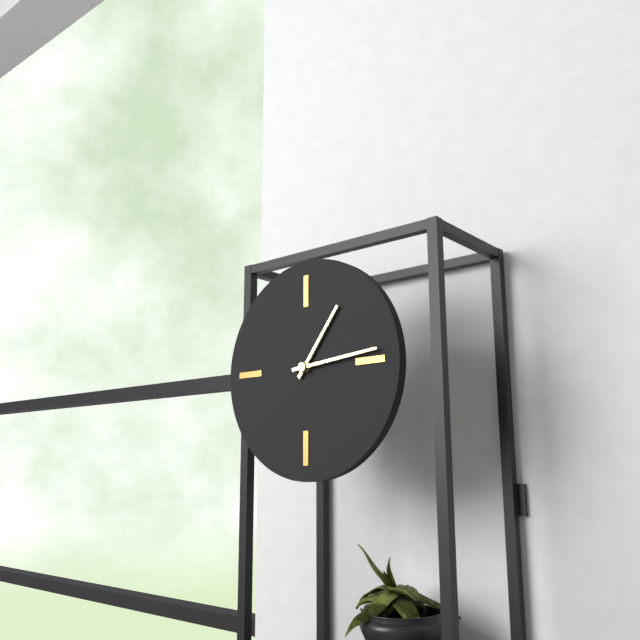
1:14
